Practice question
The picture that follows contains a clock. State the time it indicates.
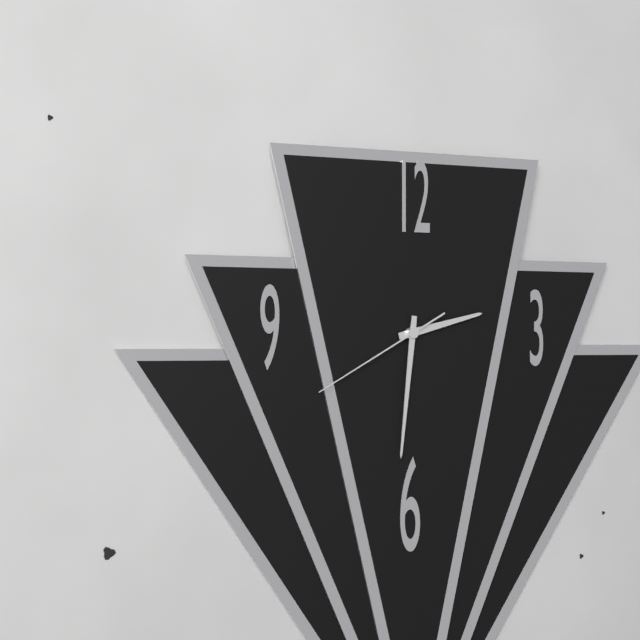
2:31:40
